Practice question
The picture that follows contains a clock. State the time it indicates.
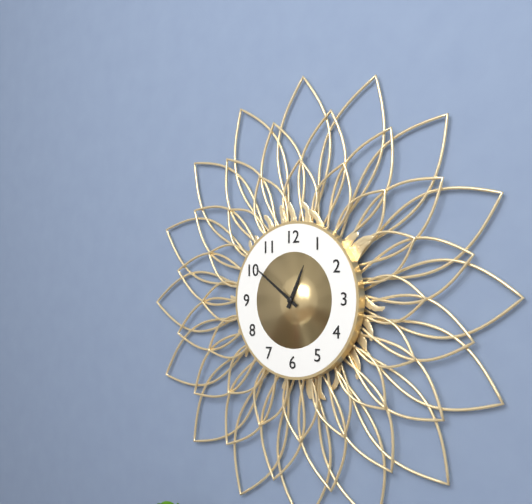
12:51
